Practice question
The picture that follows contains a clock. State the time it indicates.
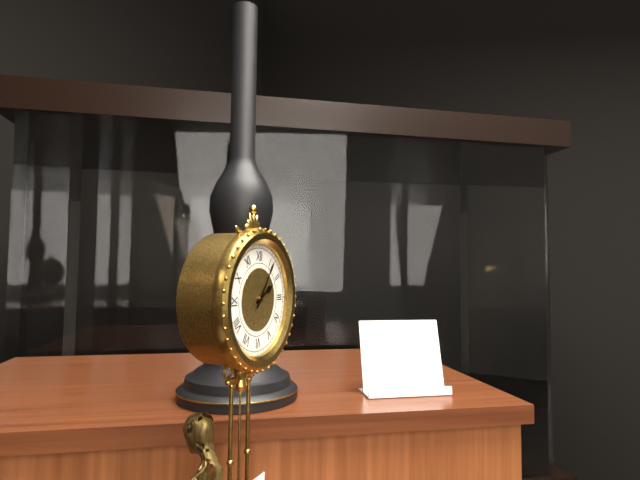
2:06
